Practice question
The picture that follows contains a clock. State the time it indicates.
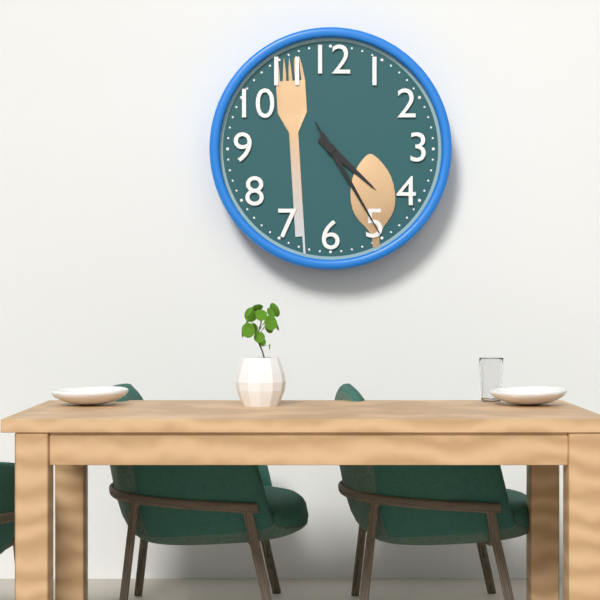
4:25:25
